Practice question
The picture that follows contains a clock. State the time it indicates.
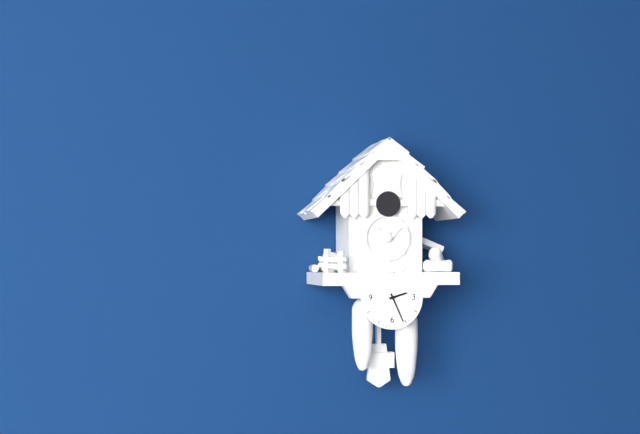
2:26
